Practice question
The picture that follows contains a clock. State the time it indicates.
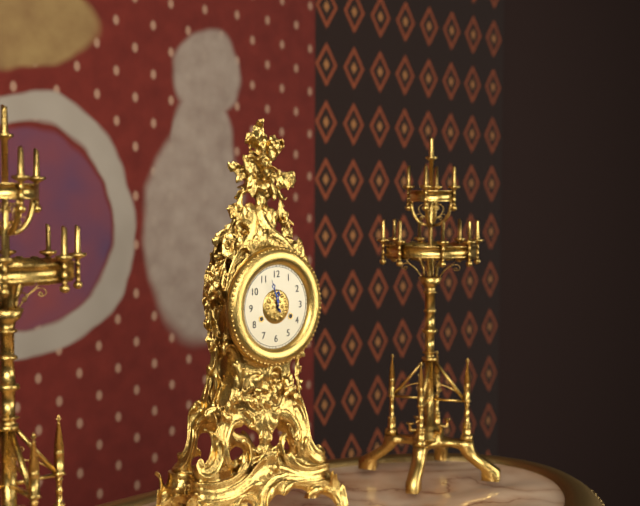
11:57
